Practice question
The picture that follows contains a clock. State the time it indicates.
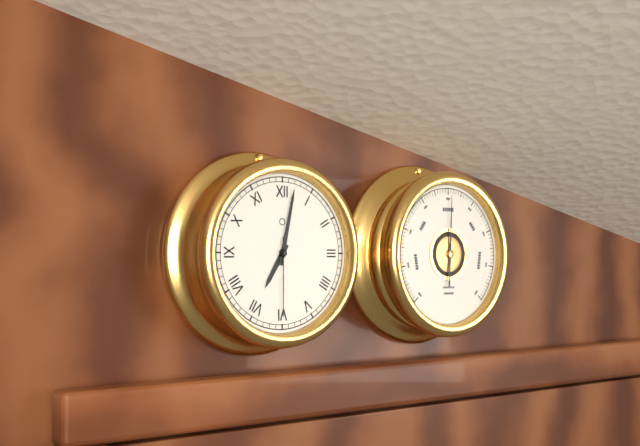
7:02:30
